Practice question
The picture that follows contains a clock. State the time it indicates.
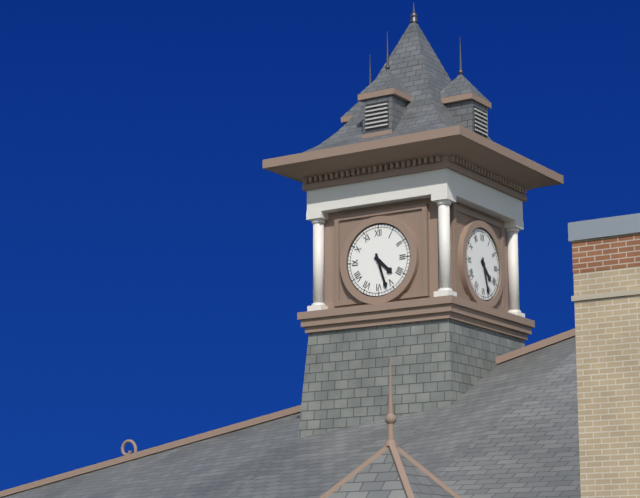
4:27
